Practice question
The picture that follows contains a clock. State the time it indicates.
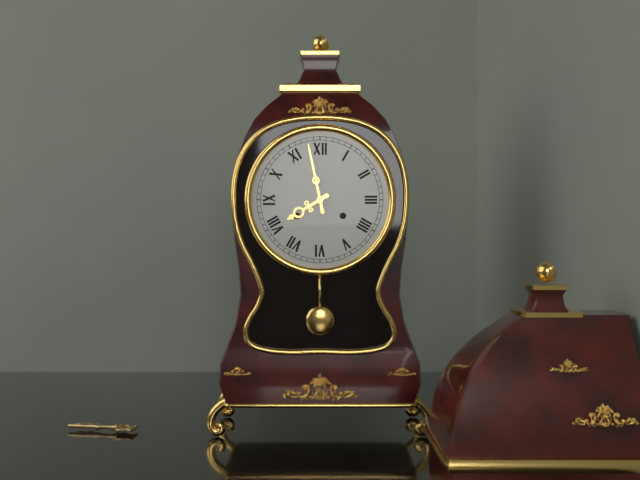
7:58
